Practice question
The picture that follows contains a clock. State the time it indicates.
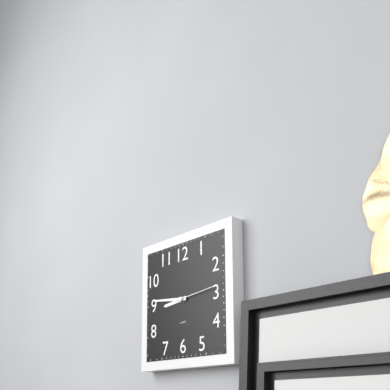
8:46
